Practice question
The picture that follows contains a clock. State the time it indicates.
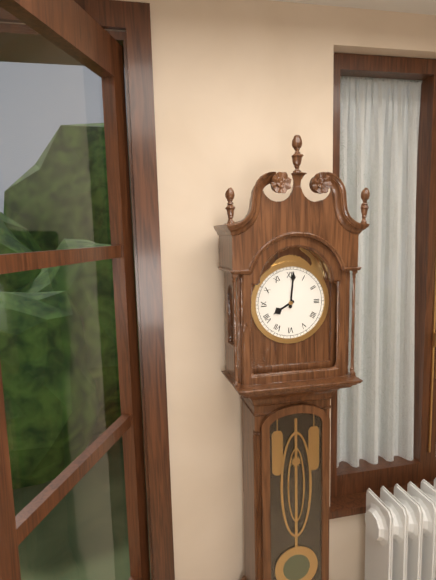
8:01
